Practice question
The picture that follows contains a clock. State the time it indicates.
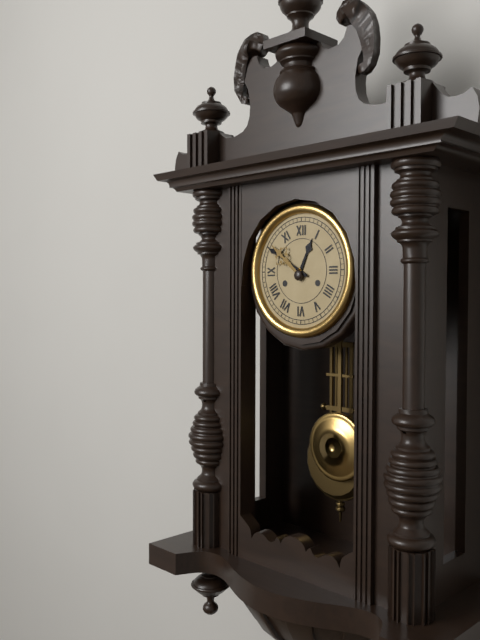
12:50
